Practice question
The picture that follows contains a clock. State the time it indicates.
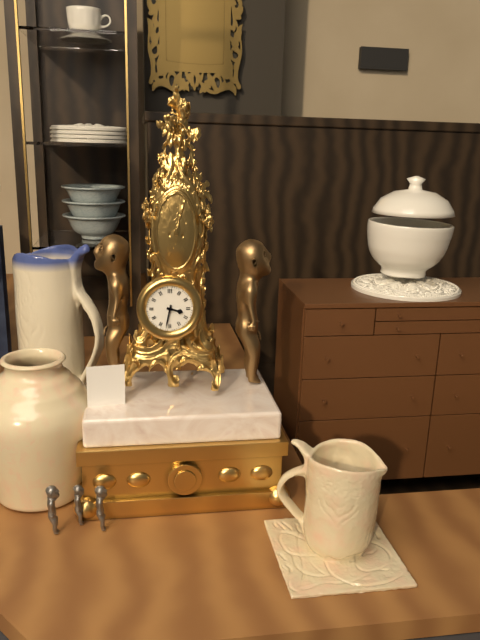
3:32
